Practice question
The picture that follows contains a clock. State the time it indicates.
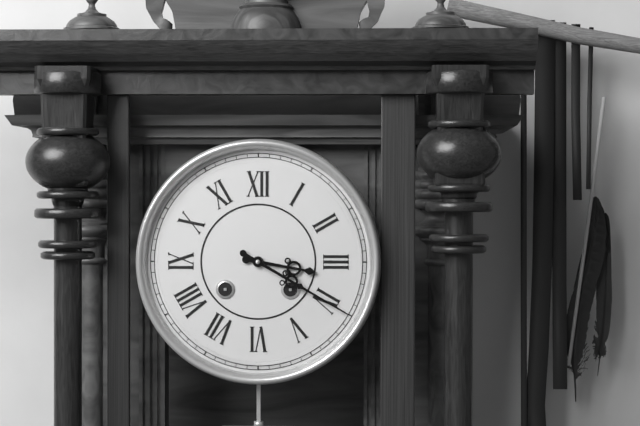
3:20
